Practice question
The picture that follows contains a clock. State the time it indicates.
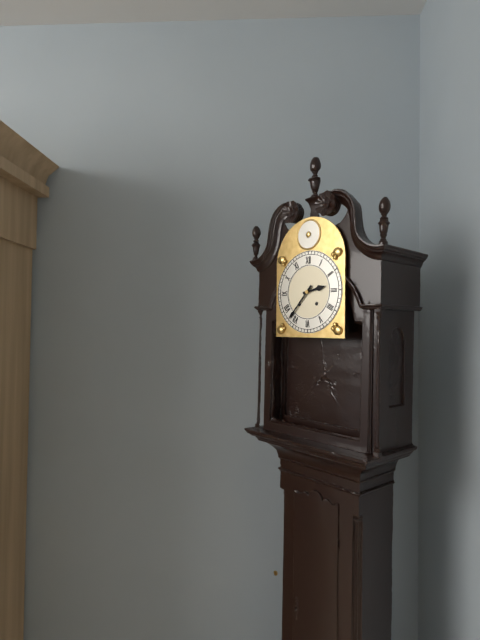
2:37
